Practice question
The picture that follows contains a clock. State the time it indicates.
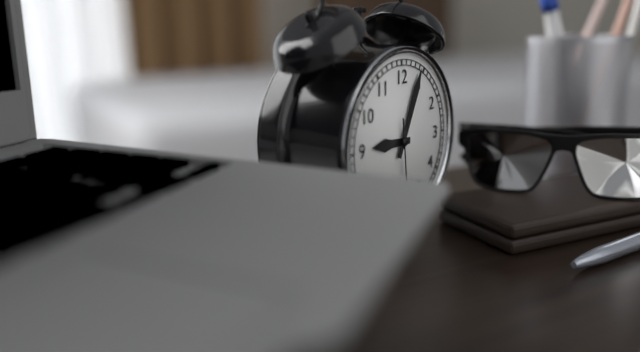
9:04
